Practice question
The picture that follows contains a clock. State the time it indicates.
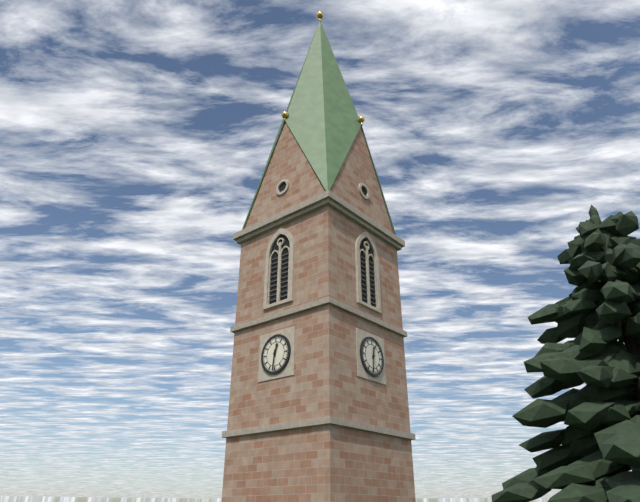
12:31
